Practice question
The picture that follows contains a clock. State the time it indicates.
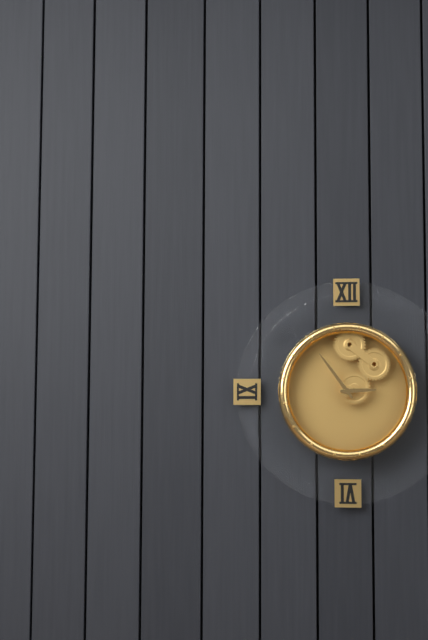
2:54
